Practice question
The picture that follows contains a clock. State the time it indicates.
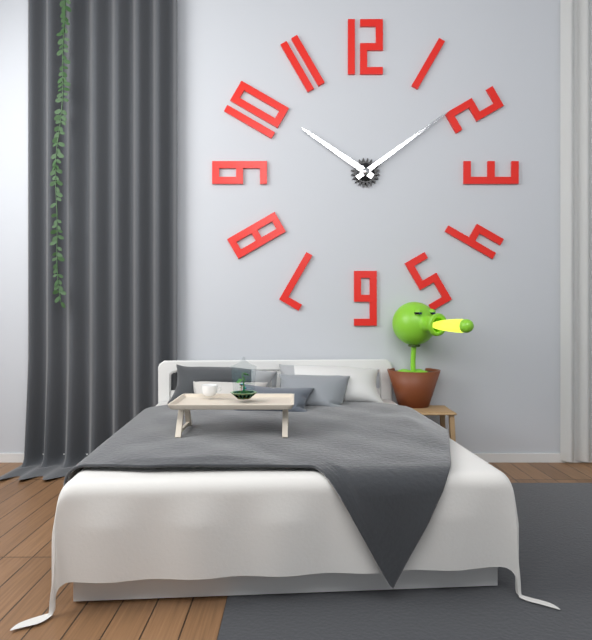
10:09
